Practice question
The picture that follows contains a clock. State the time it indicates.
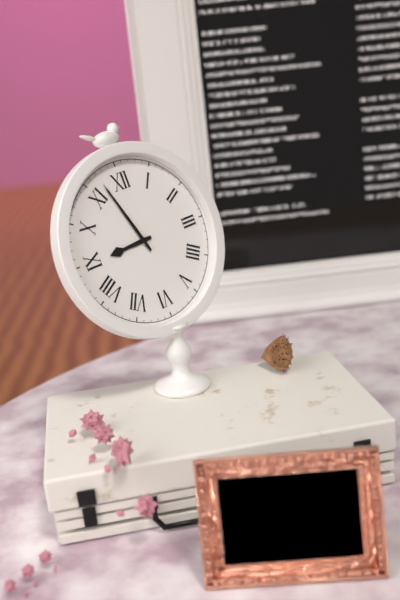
8:57
